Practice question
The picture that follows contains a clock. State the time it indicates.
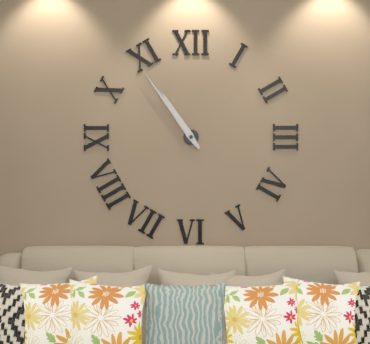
10:54
